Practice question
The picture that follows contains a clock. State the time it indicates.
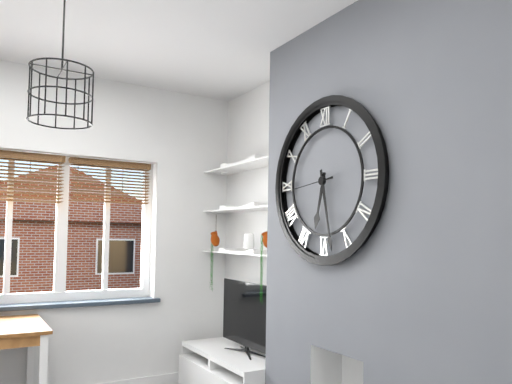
6:28
